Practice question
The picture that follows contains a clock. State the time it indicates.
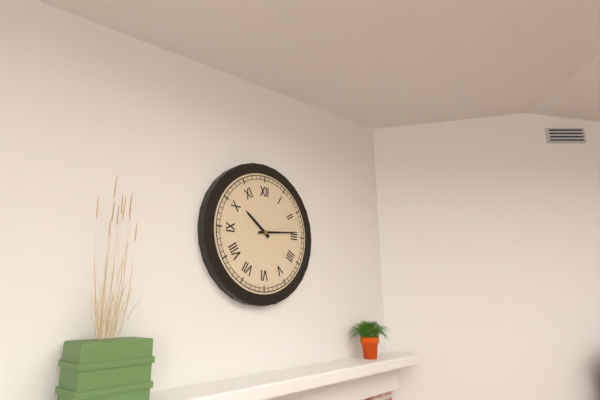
10:14
